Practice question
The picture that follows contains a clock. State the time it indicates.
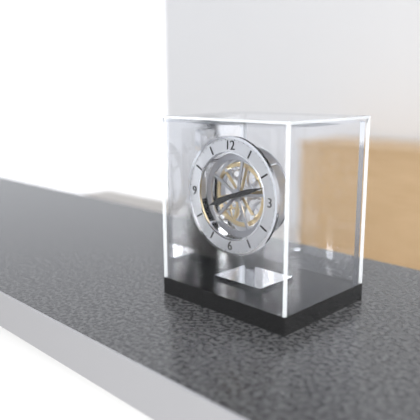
8:12
